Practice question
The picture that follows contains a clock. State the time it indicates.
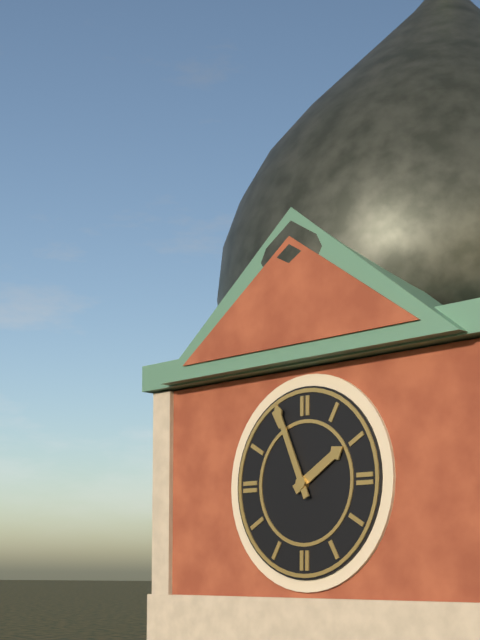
1:56
